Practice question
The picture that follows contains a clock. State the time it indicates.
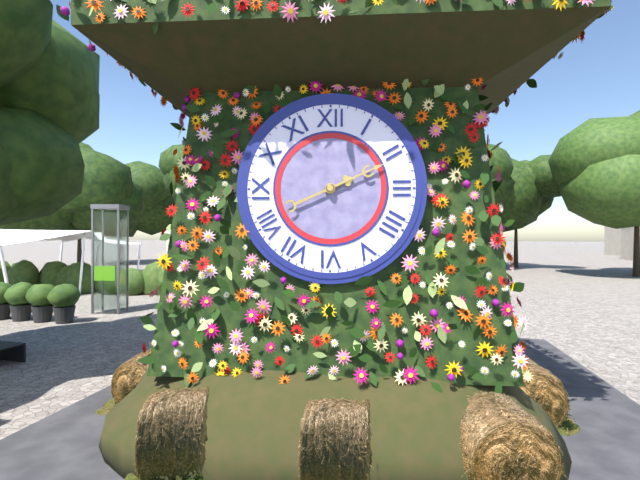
2:11
